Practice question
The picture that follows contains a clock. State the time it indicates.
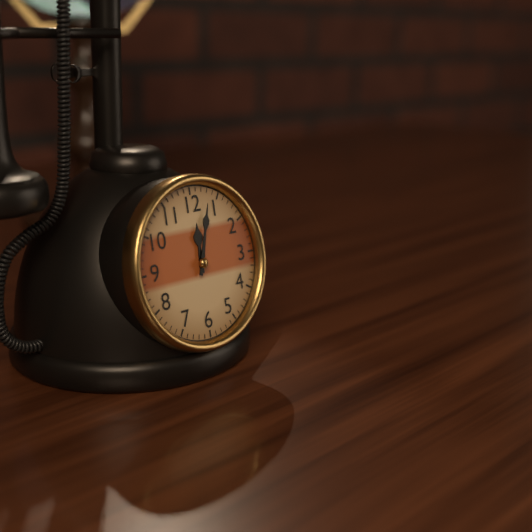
12:03
